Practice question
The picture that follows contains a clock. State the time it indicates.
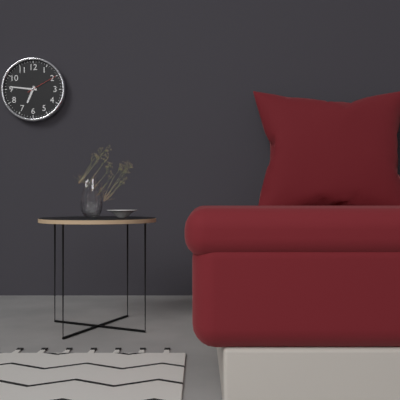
6:46
